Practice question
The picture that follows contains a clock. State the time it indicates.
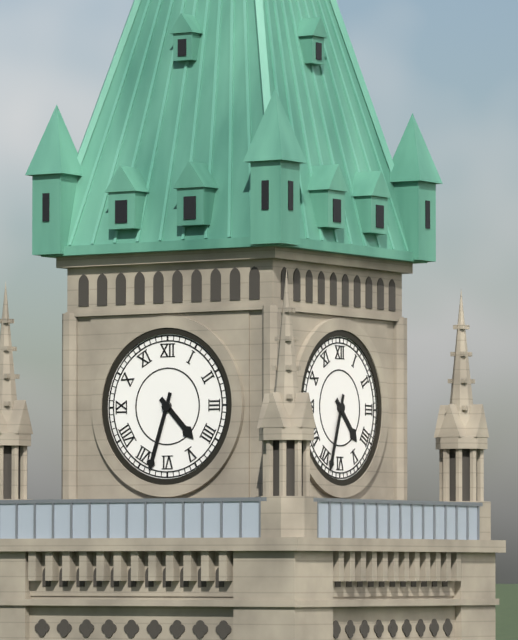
4:33
